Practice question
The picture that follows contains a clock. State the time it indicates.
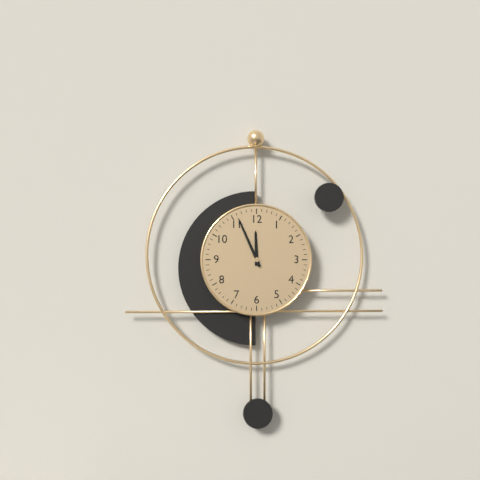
11:56
